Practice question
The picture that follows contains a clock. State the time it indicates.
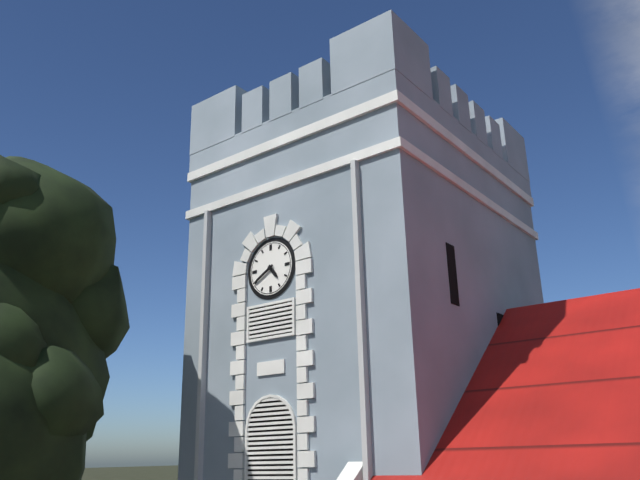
4:40
